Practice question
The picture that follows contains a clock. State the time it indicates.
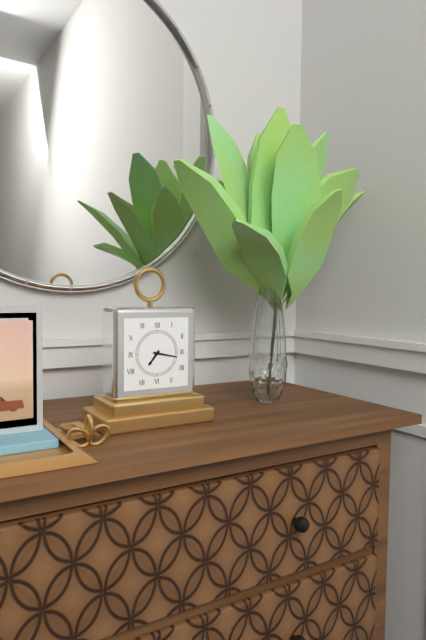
7:17
